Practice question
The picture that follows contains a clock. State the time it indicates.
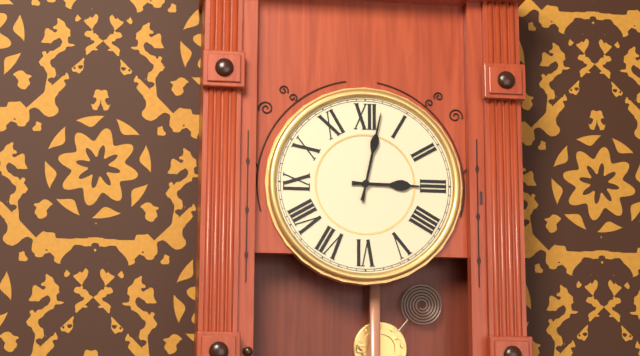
3:02
